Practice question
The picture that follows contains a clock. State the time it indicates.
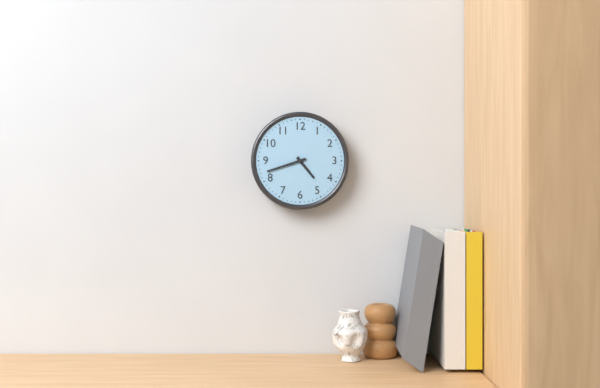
4:42
